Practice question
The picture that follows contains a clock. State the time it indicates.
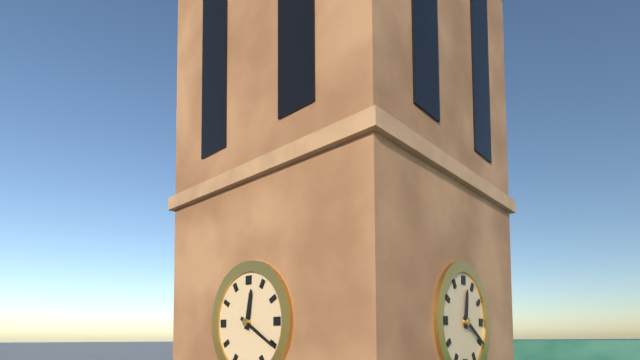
12:20
